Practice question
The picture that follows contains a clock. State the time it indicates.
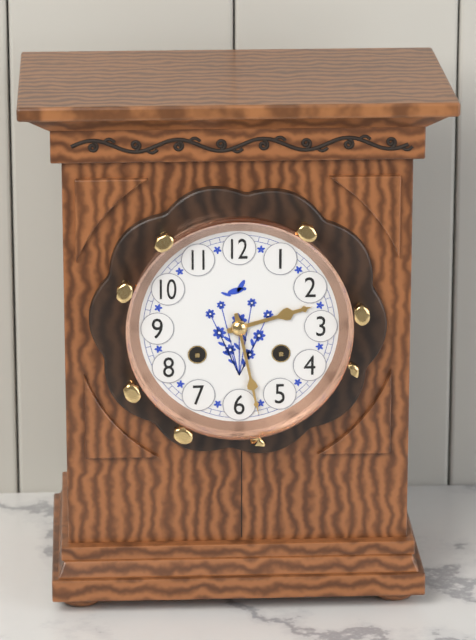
2:28
